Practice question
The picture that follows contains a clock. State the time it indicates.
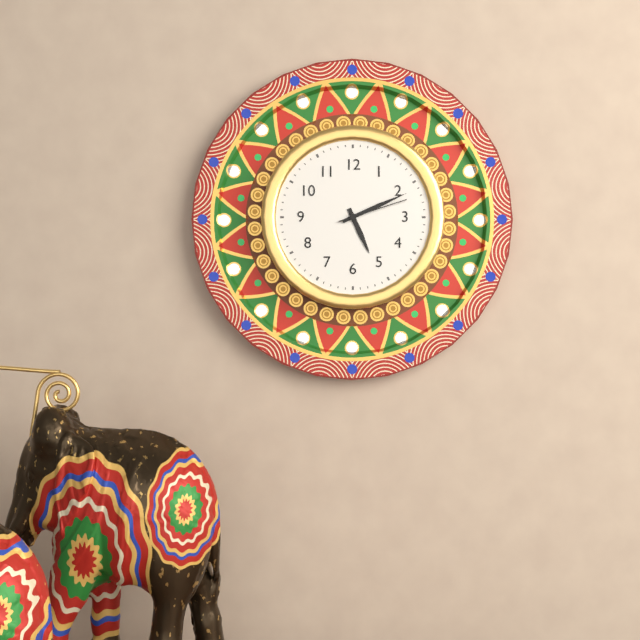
5:11:12
